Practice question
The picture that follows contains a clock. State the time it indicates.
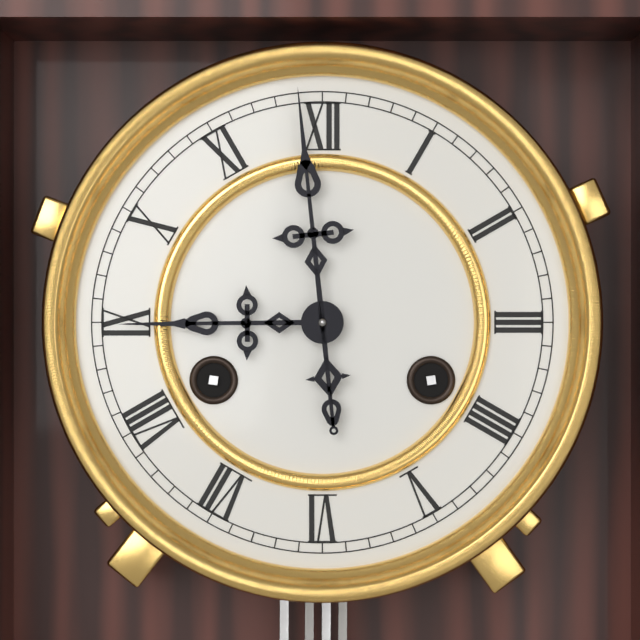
8:59
